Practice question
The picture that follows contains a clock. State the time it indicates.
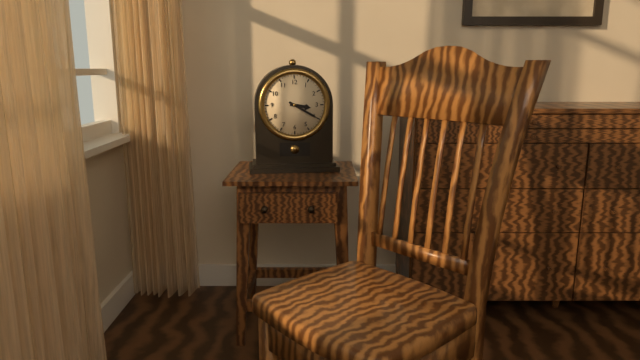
3:20
